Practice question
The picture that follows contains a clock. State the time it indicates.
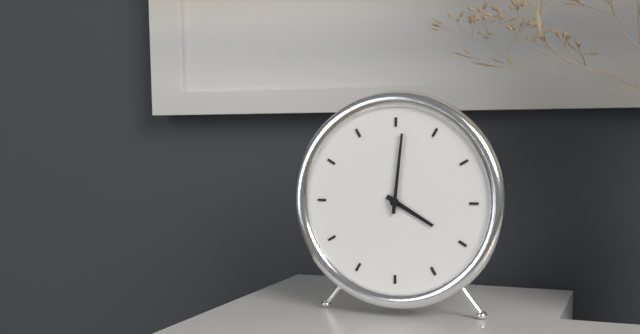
4:01
